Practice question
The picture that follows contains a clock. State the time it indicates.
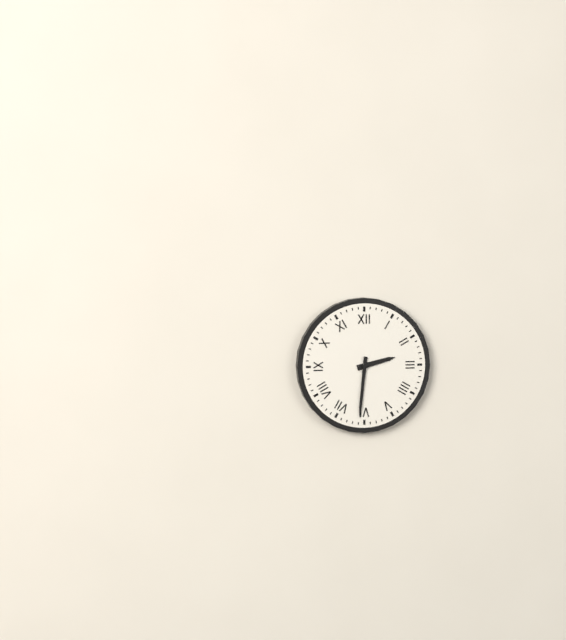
2:31
